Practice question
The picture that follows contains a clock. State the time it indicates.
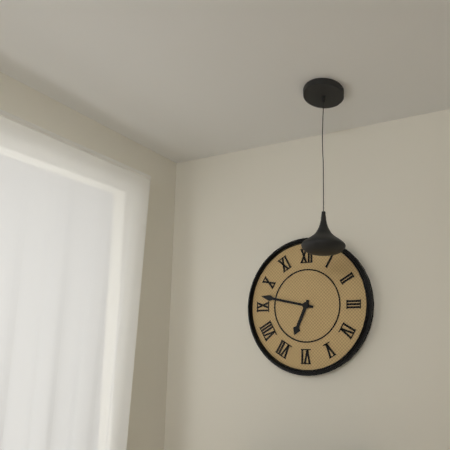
6:47
